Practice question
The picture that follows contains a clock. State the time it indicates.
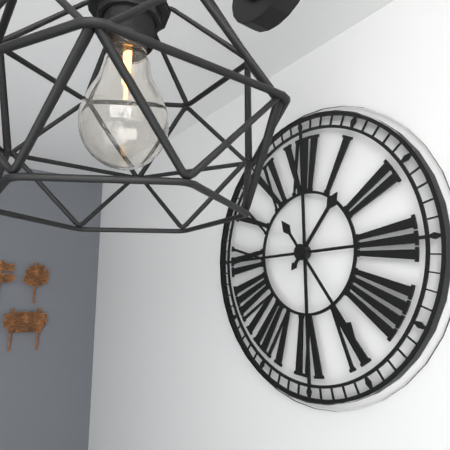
1:24
